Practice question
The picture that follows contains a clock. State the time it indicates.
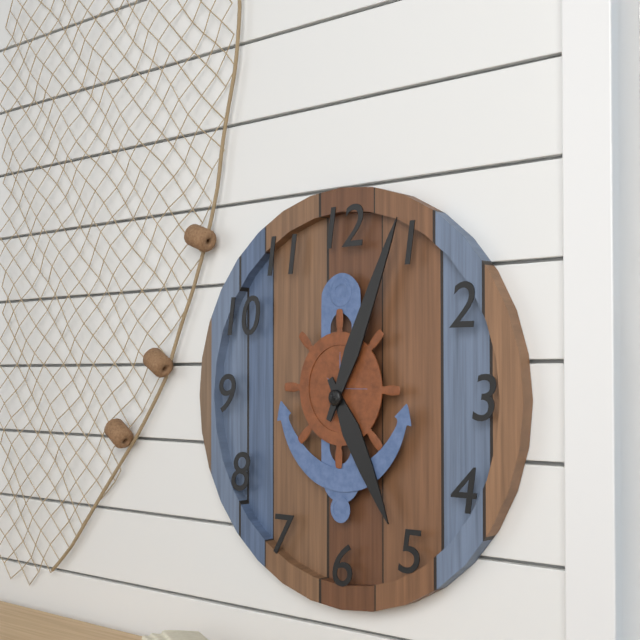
5:04
